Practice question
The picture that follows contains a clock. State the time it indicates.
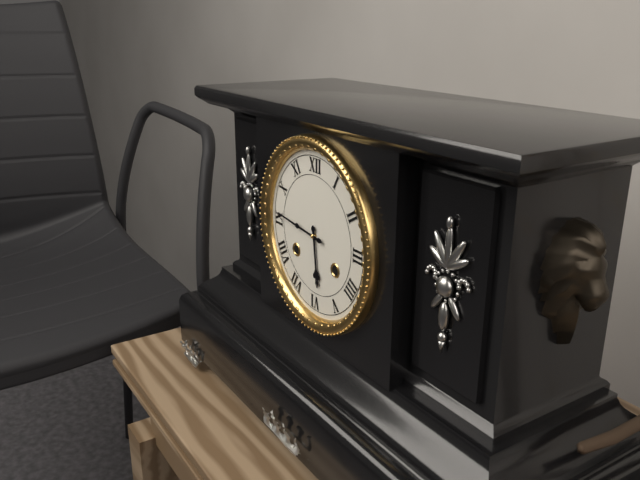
5:46
